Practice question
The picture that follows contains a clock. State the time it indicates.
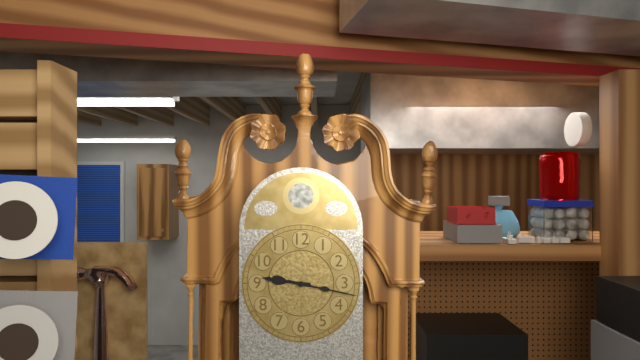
9:17
